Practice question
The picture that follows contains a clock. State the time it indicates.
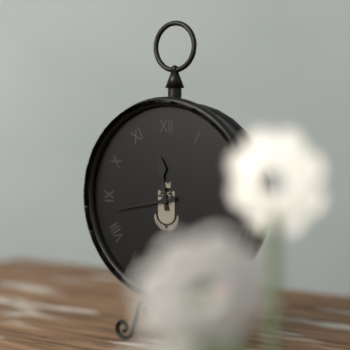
11:43
